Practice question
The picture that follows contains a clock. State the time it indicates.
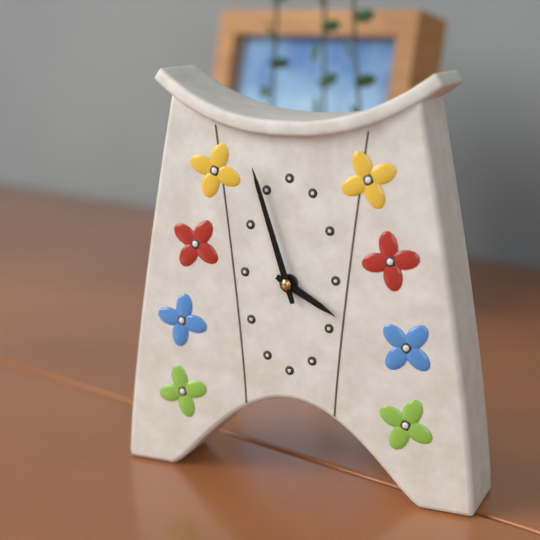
3:57
